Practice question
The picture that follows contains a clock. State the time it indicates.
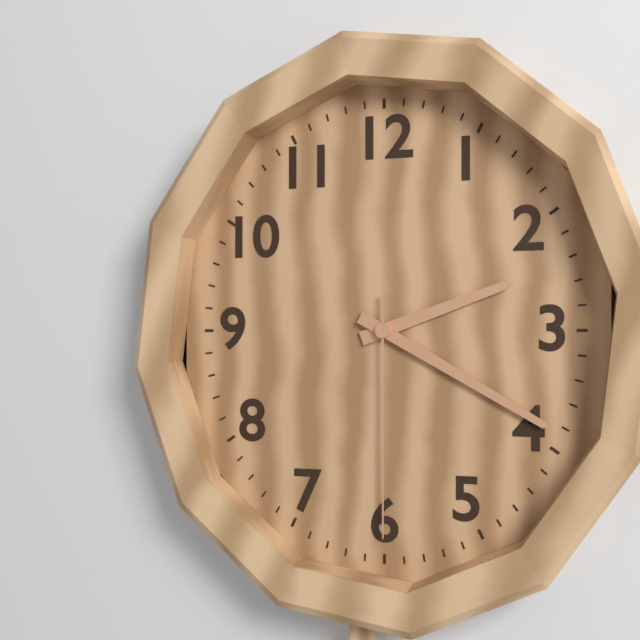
2:20:30
